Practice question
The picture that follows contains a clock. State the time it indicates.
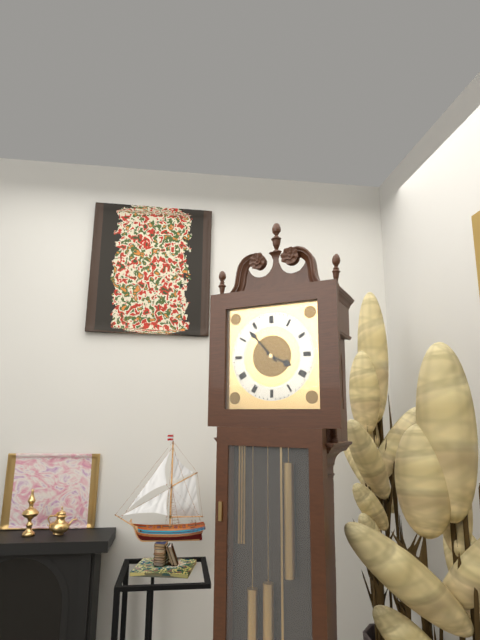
3:53
